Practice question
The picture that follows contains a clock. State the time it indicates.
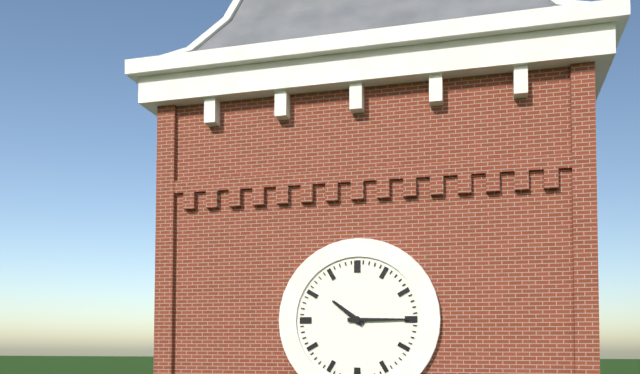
10:15
